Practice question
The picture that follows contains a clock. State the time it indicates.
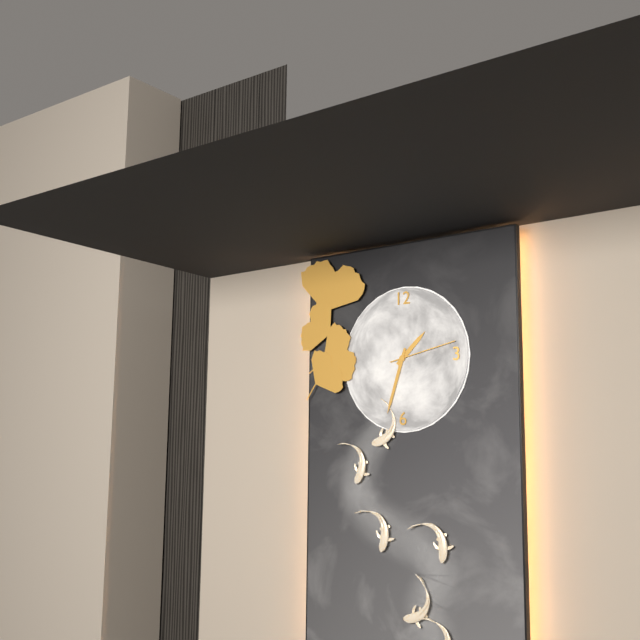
1:33:13
